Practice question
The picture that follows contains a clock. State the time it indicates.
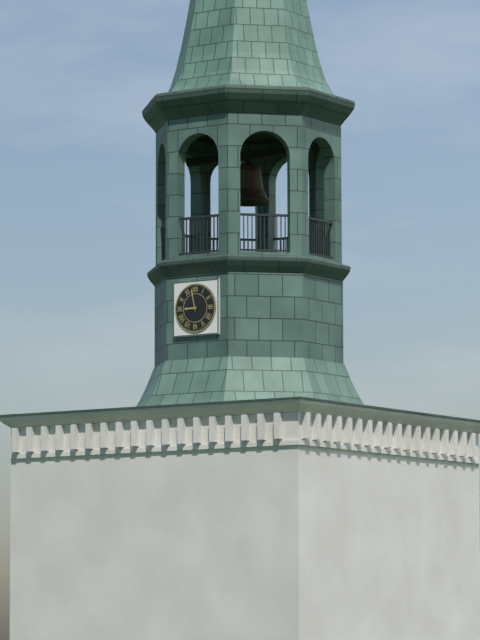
8:58
